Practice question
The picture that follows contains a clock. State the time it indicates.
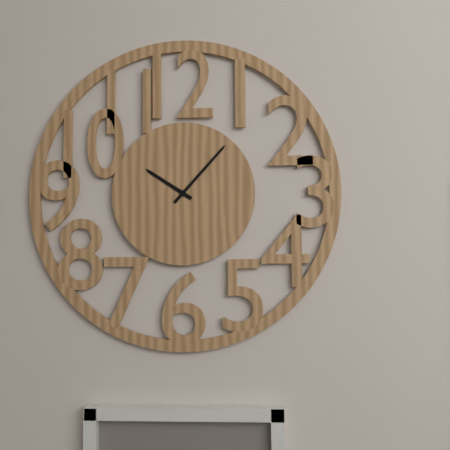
10:07
